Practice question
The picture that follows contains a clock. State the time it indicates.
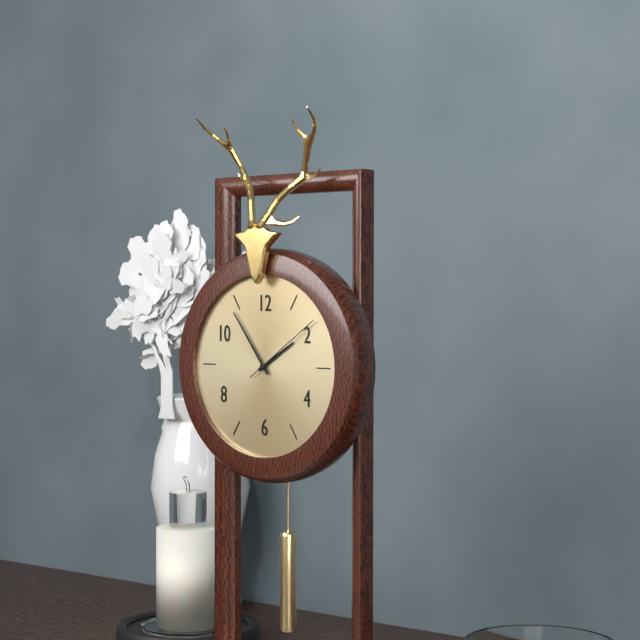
1:54:09
